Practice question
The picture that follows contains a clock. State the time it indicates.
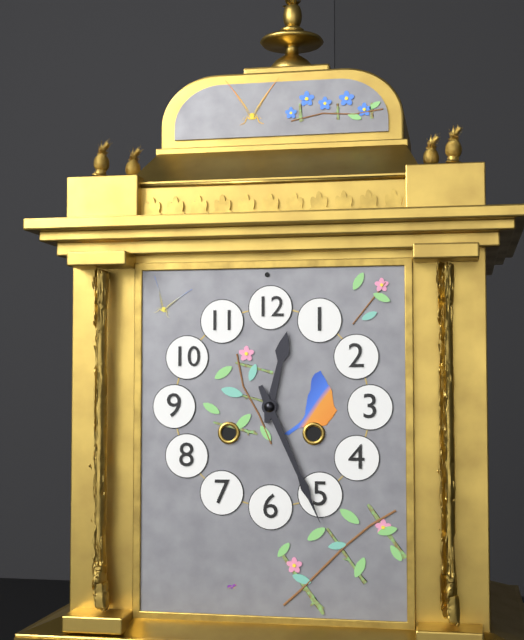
12:26
